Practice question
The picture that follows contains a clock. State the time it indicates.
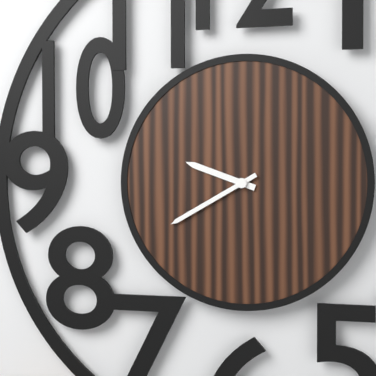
9:40
